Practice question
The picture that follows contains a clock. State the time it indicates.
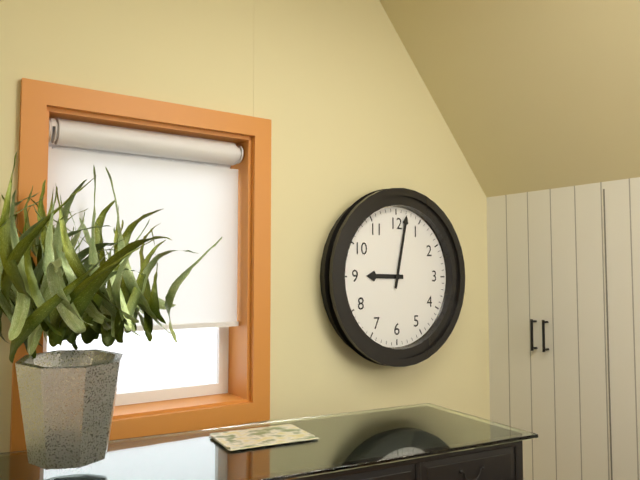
9:02
